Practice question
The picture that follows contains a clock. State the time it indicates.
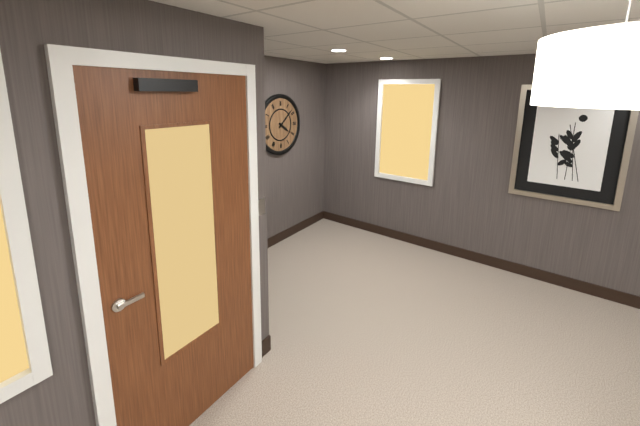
4:08
